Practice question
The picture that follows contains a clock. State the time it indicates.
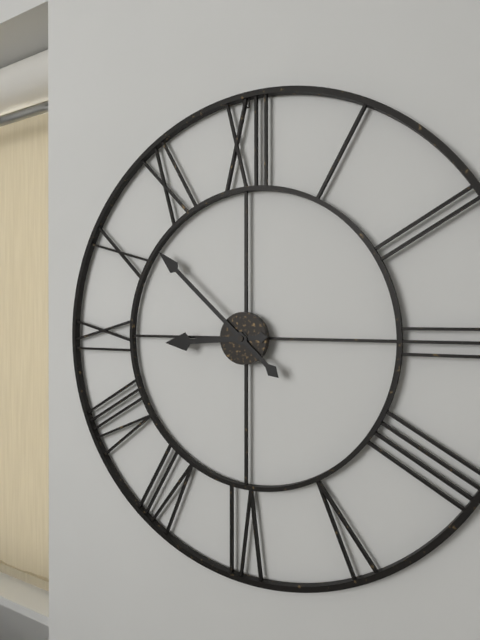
8:52
